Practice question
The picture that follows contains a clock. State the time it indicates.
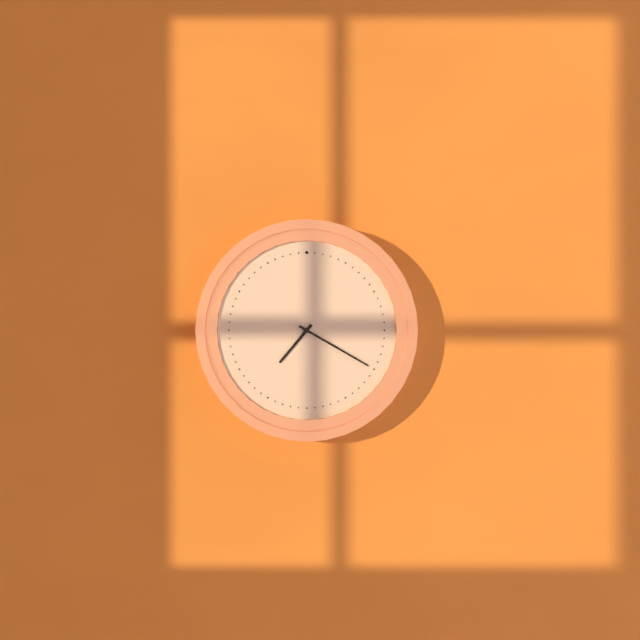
7:20
